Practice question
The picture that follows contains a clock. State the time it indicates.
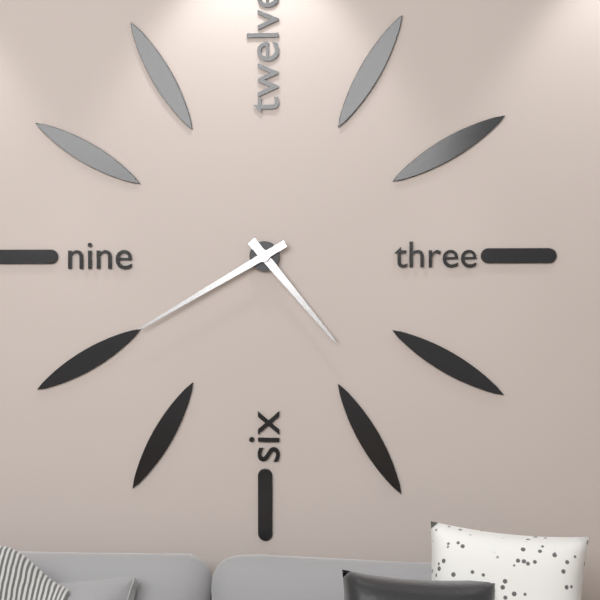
4:40
